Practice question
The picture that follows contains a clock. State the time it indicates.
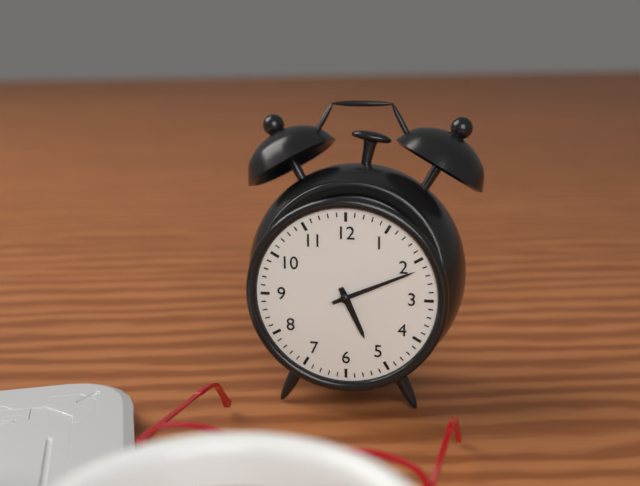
5:11
